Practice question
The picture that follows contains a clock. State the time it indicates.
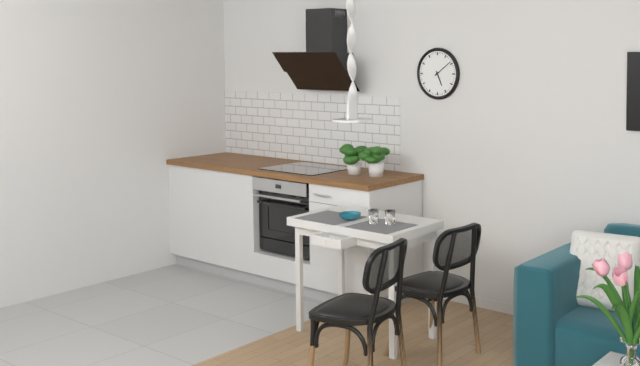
5:09
